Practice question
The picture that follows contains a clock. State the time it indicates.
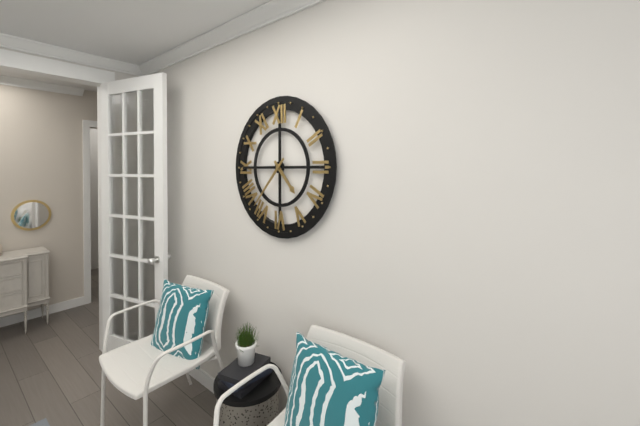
4:37
